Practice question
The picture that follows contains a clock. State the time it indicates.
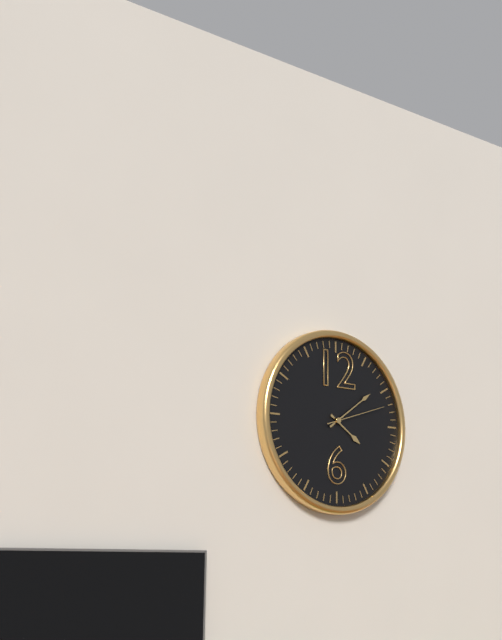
4:09:12
